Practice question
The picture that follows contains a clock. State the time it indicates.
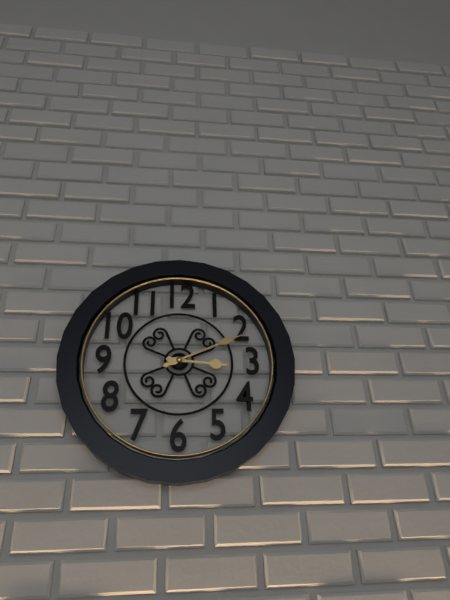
3:11
